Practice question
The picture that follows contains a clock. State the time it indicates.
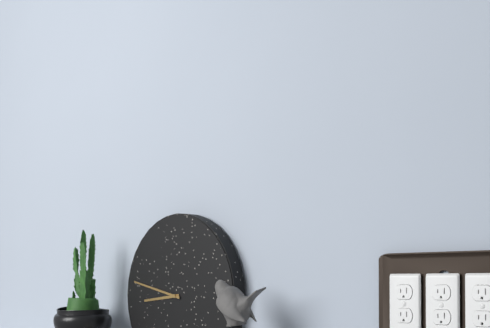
8:47
